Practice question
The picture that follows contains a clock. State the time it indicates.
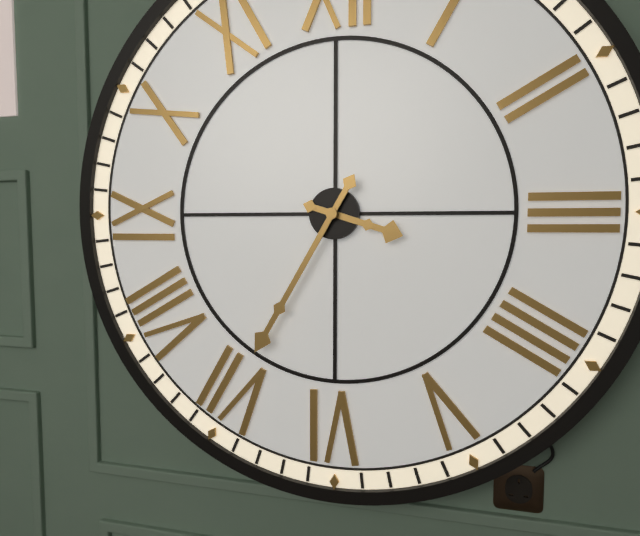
3:35
